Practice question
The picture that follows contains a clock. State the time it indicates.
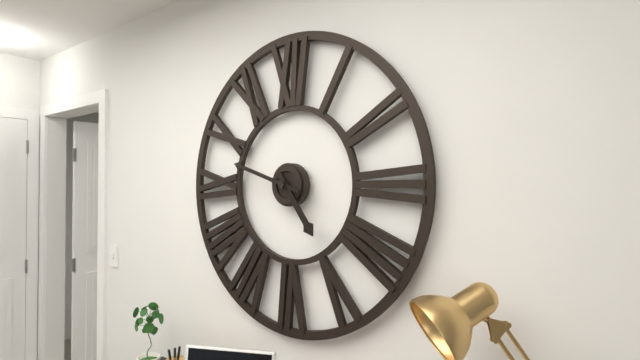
4:48
